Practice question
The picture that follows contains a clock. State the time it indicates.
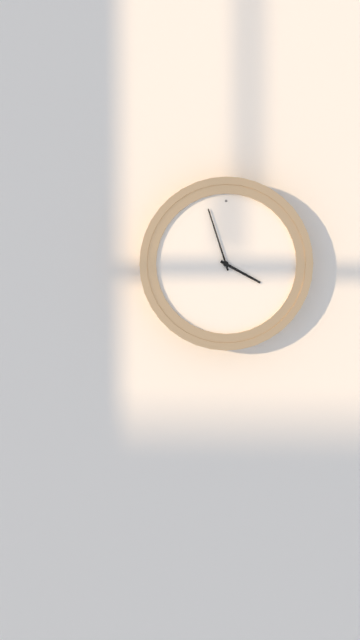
3:57
